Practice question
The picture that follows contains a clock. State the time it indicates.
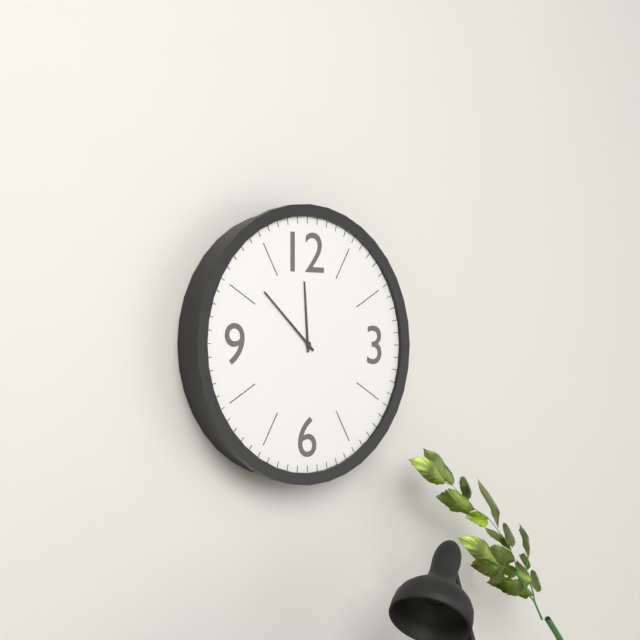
11:52
